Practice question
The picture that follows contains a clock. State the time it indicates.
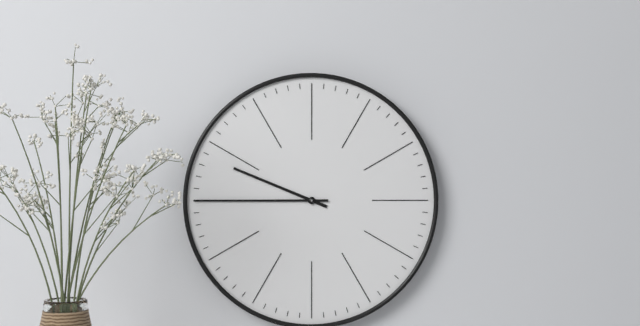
9:45
